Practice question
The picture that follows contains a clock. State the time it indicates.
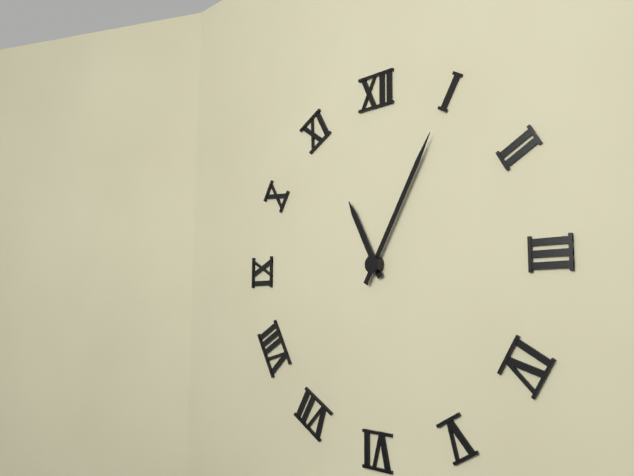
11:05
